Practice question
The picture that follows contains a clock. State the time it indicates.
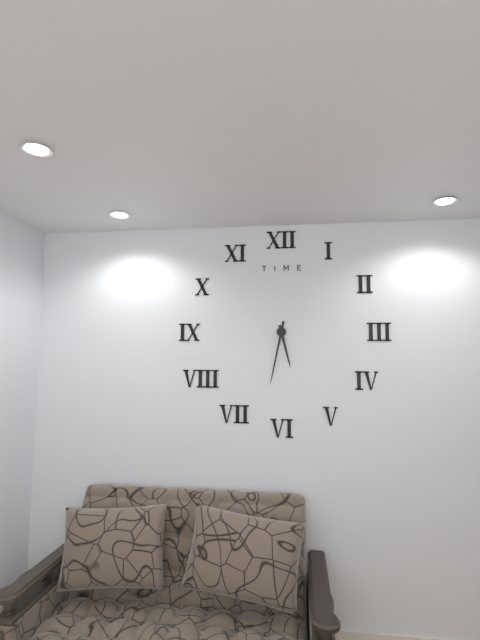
5:32
